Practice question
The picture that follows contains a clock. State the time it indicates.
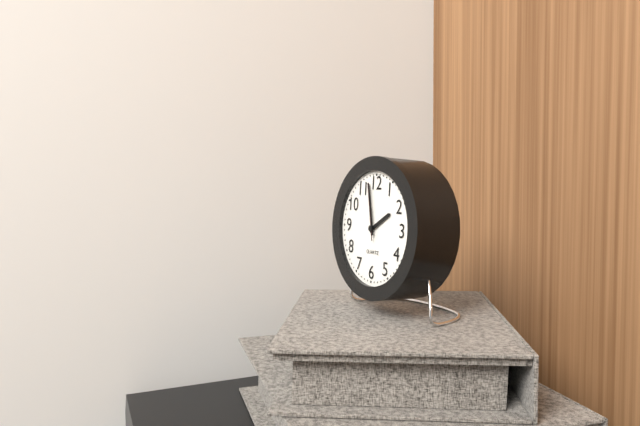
1:58:58
